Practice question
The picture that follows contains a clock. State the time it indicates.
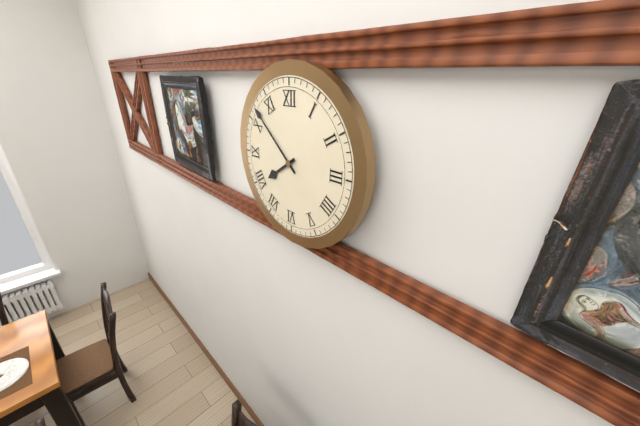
7:52
